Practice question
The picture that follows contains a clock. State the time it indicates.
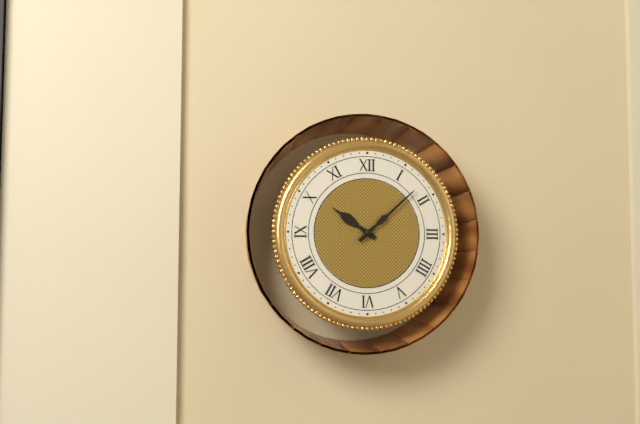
10:08
